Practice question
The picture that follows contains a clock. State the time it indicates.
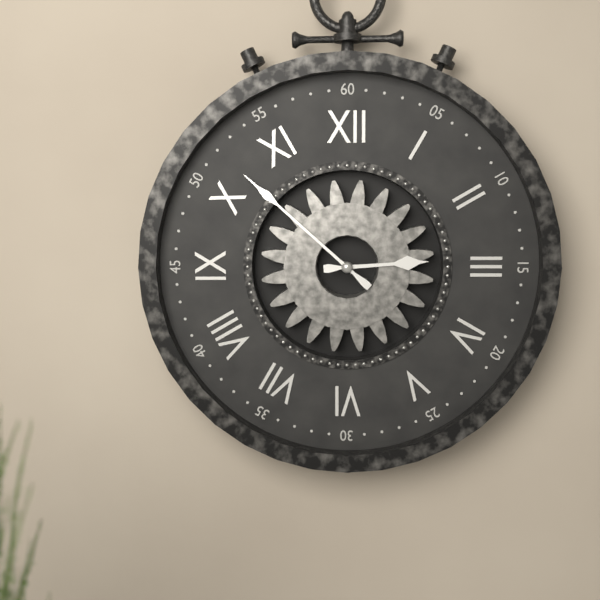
2:52
